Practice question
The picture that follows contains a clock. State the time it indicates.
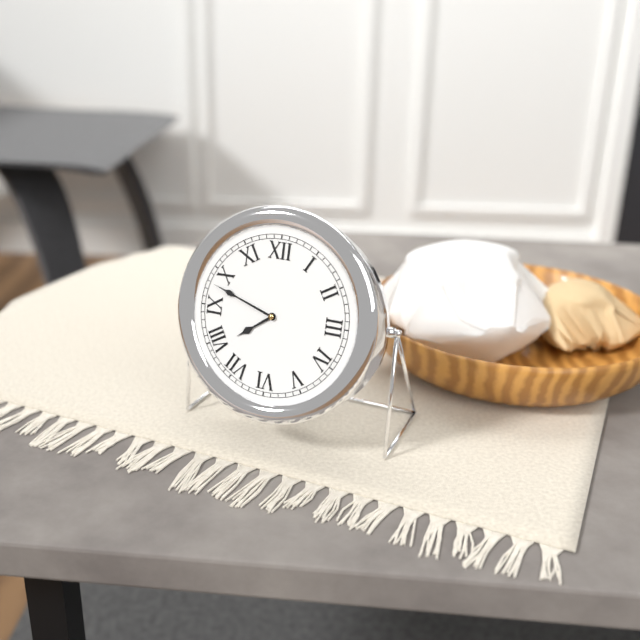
7:48
